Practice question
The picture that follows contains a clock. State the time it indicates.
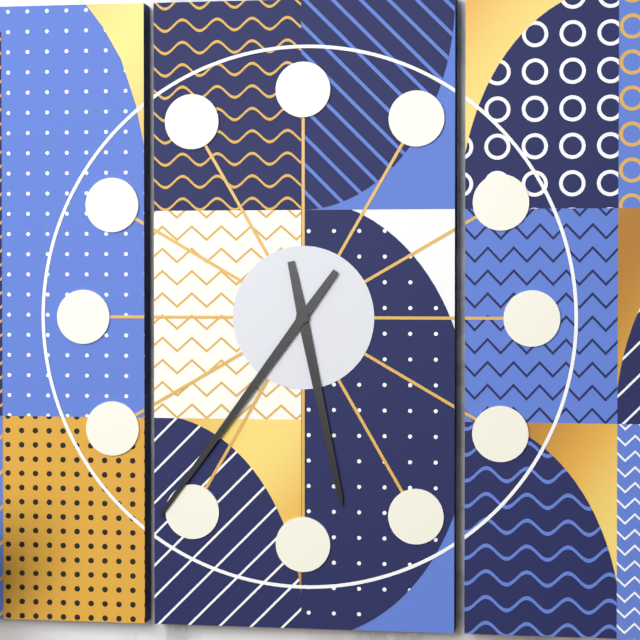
5:36
